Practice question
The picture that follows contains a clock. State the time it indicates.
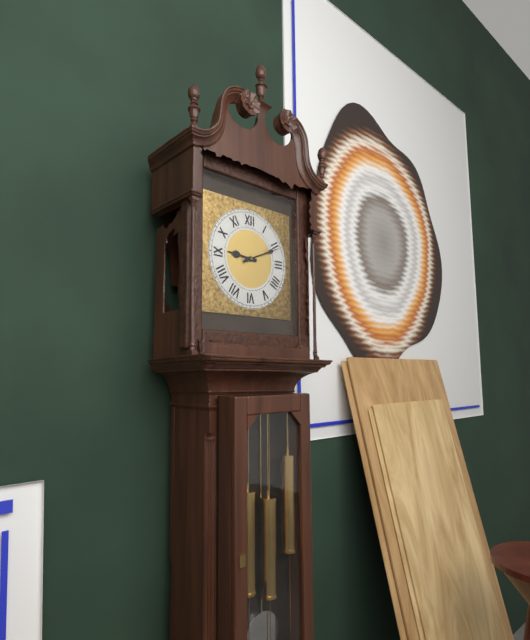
9:11
